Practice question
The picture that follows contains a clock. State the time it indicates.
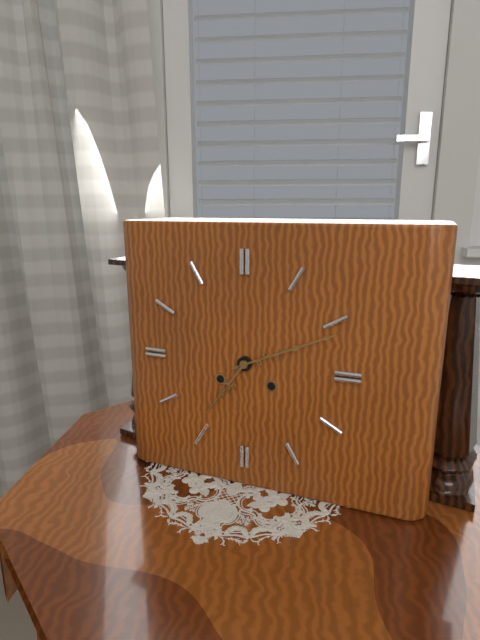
7:11
